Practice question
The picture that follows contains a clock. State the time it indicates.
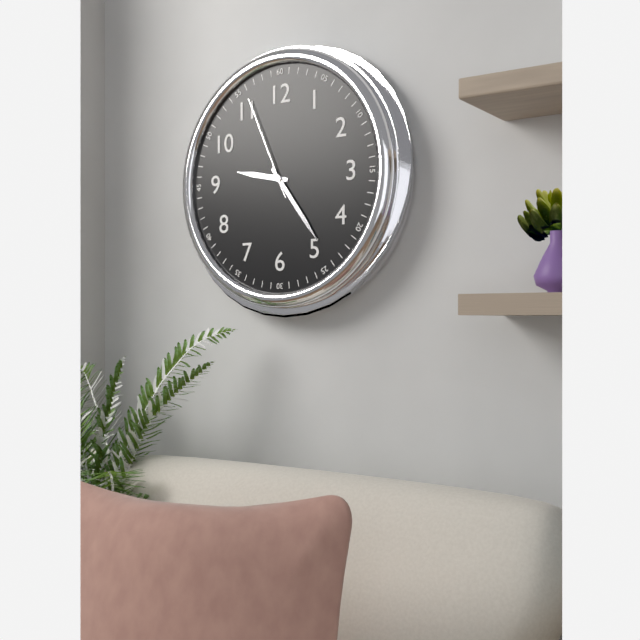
9:24:56
